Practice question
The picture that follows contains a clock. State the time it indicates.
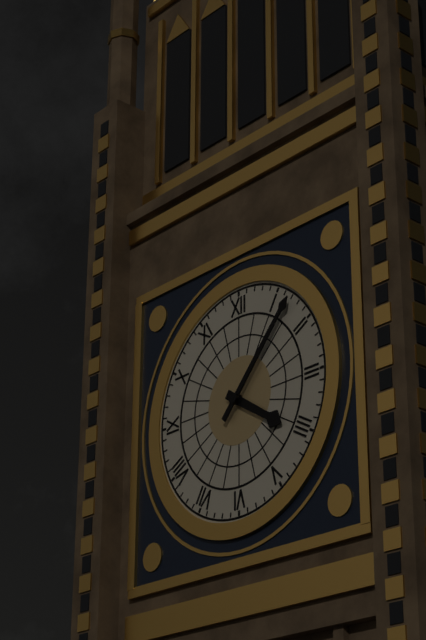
4:07
